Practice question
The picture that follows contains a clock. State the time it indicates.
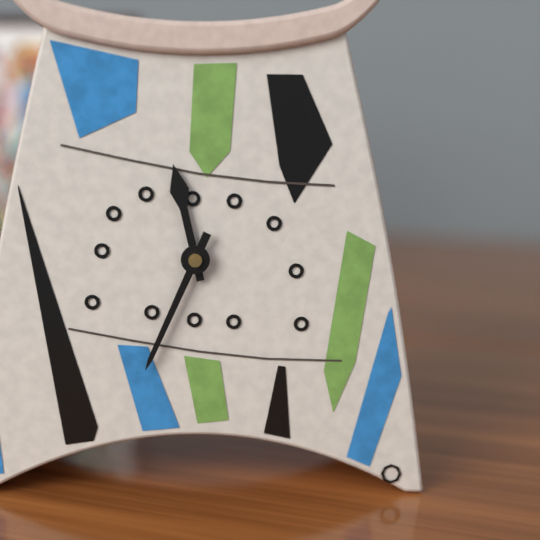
11:34
